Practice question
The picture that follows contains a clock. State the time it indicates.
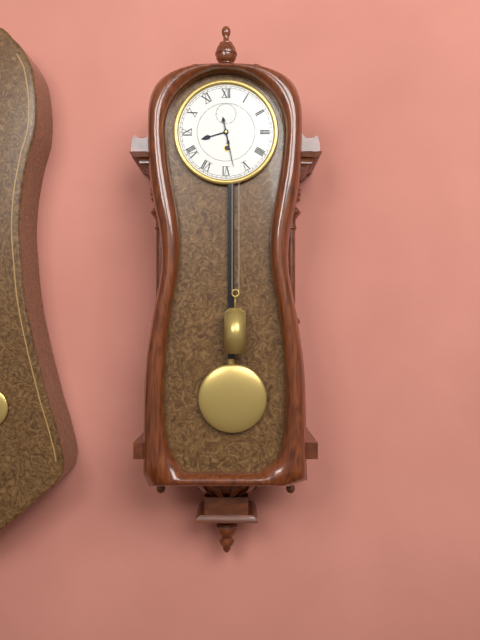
8:28
